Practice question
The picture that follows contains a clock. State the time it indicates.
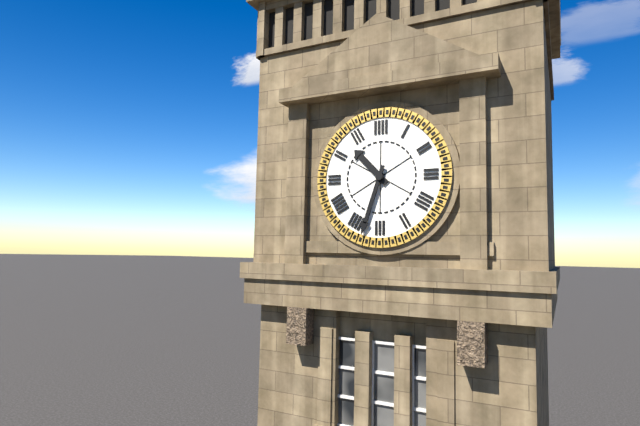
10:33
